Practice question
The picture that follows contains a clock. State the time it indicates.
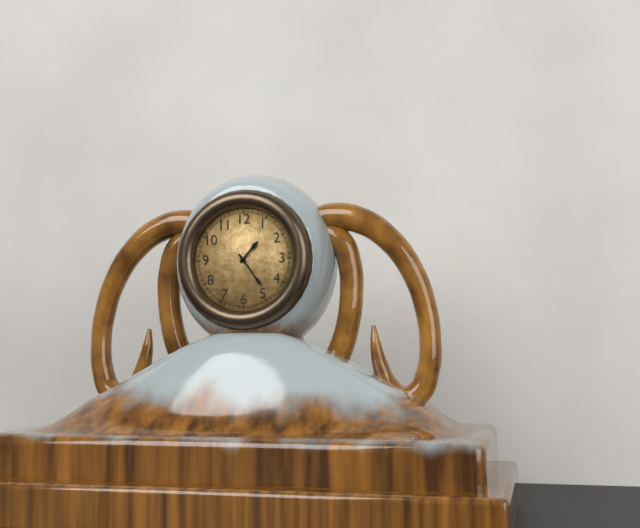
1:24
